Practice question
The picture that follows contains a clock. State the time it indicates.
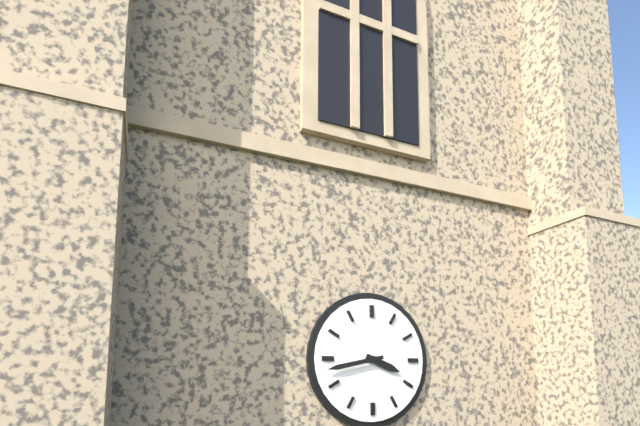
3:43
